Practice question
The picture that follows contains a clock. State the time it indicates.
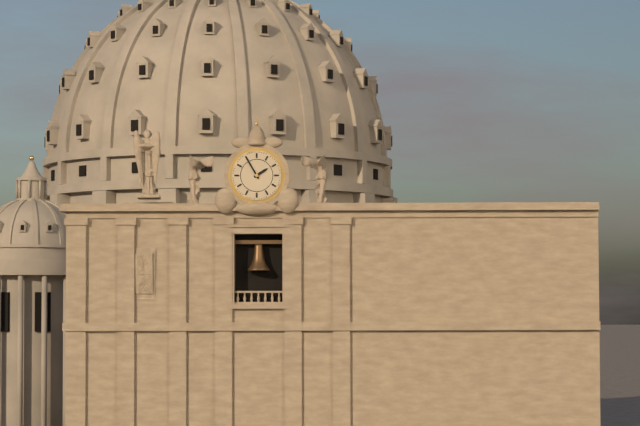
1:55
